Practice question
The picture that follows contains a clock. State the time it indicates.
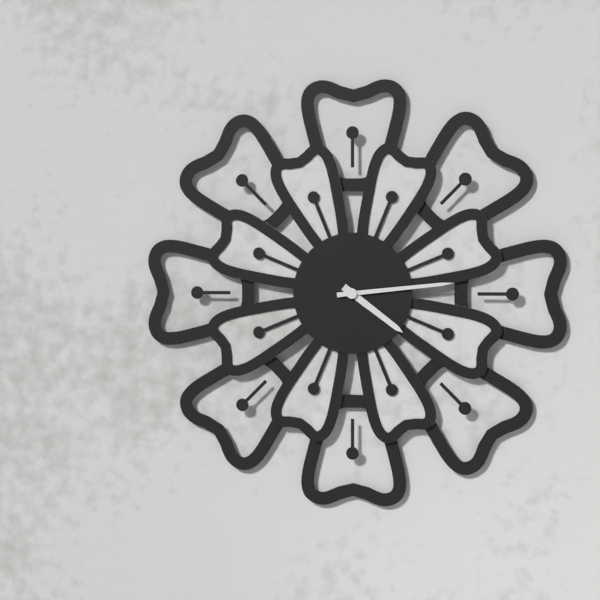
4:14
